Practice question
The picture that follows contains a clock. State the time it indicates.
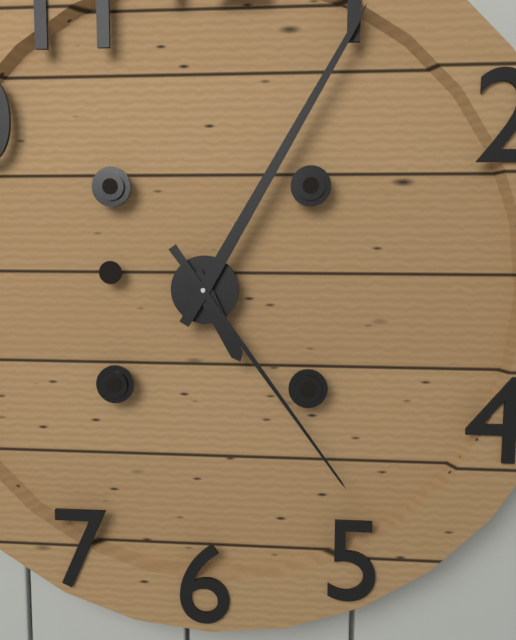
5:05:24
